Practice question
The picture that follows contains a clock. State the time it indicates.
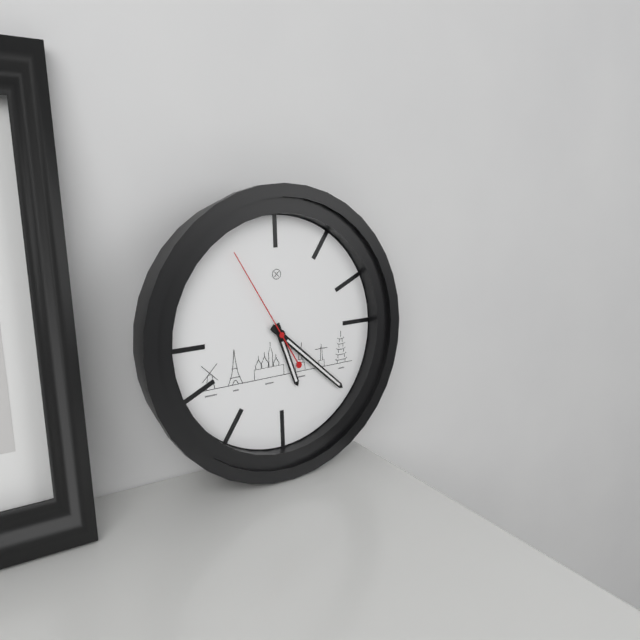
5:22:55
